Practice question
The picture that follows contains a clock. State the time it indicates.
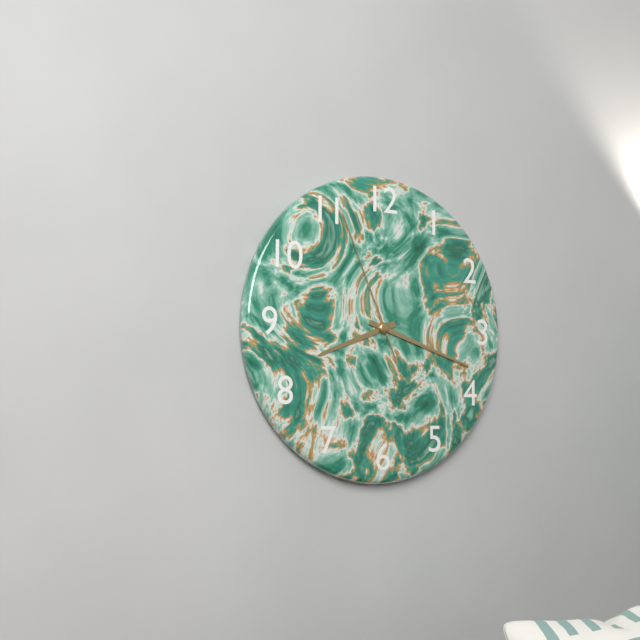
8:18:56
